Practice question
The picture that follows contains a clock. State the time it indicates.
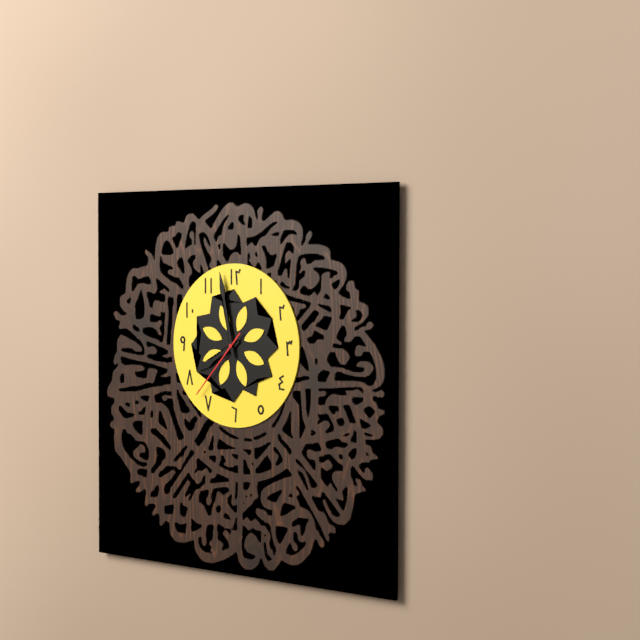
7:58:37
